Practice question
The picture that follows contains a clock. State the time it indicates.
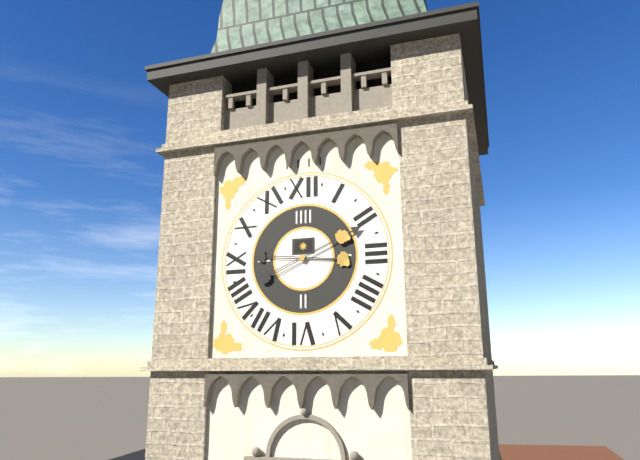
3:11
